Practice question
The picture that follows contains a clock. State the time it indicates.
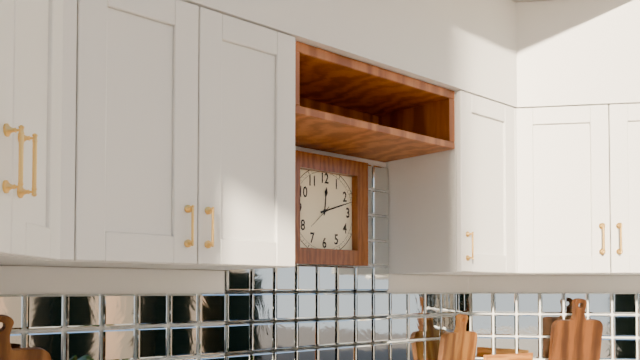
12:12
